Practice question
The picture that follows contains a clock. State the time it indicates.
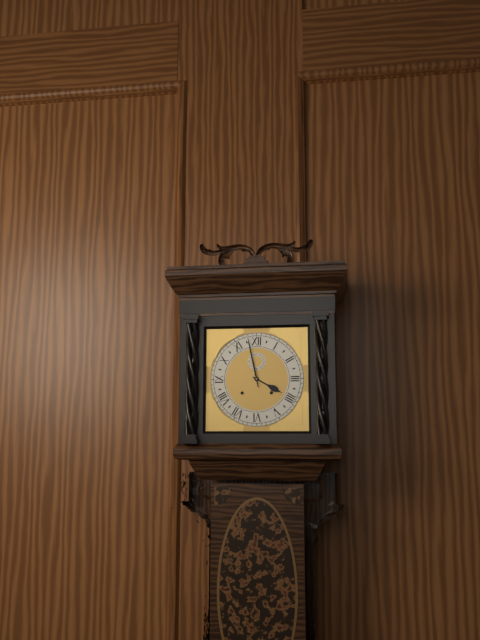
3:58
